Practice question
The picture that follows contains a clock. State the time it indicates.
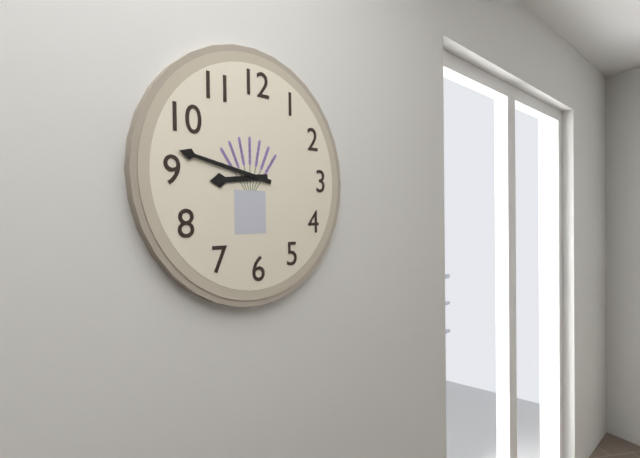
8:47
